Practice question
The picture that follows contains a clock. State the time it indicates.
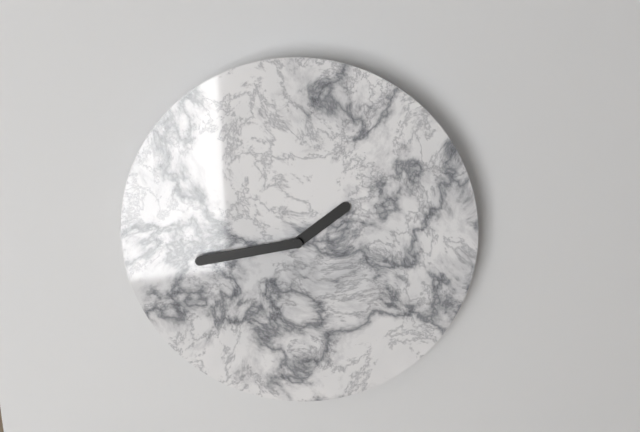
1:43
